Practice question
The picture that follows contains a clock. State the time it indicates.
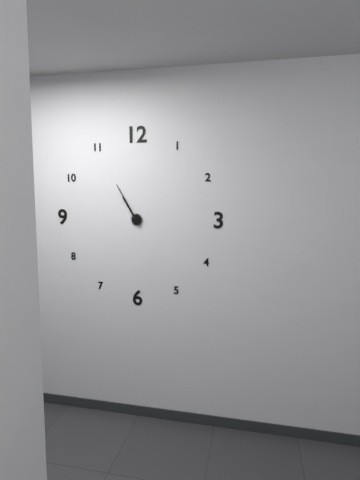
10:55
